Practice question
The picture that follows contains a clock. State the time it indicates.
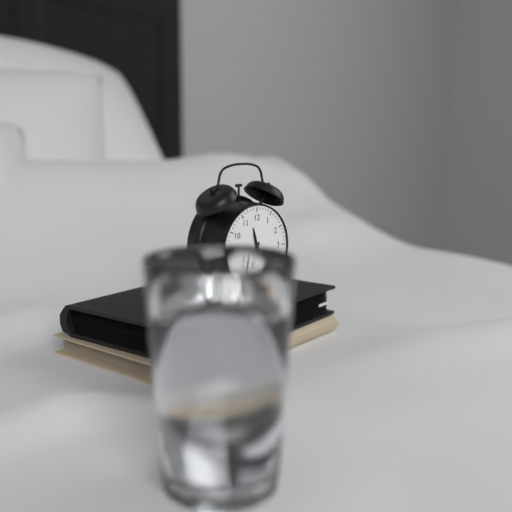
11:33
